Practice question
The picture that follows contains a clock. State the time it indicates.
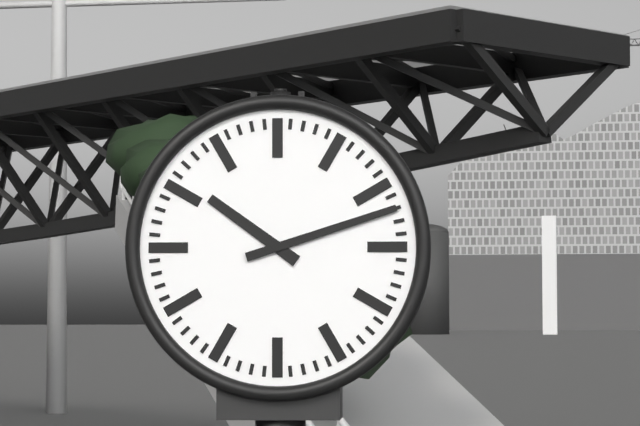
10:12
